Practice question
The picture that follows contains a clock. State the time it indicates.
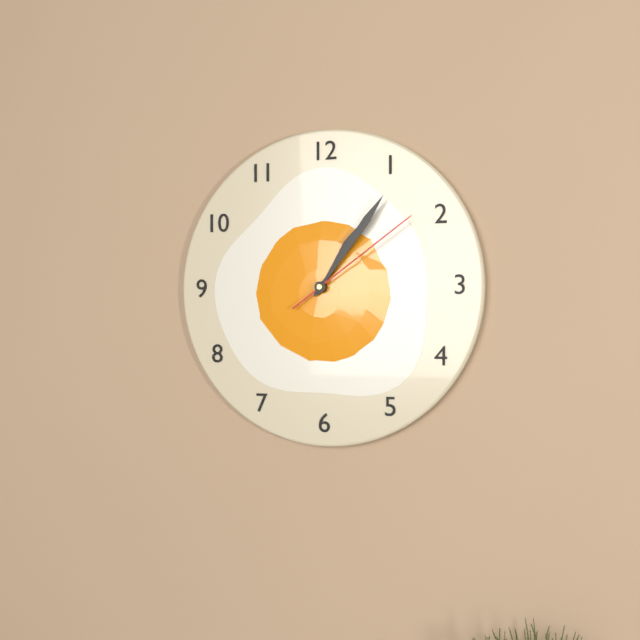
1:06:09
